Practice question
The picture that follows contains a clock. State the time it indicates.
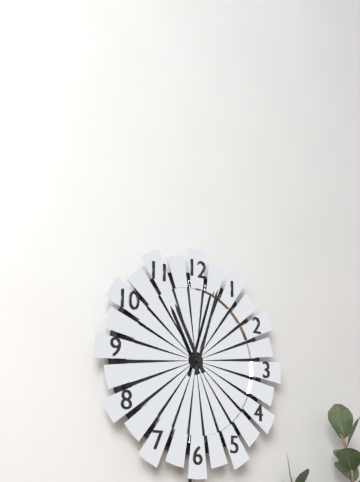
11:03
